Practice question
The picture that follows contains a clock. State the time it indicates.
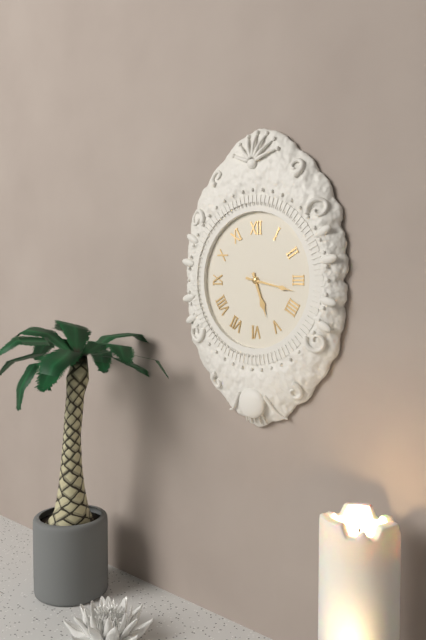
5:17
